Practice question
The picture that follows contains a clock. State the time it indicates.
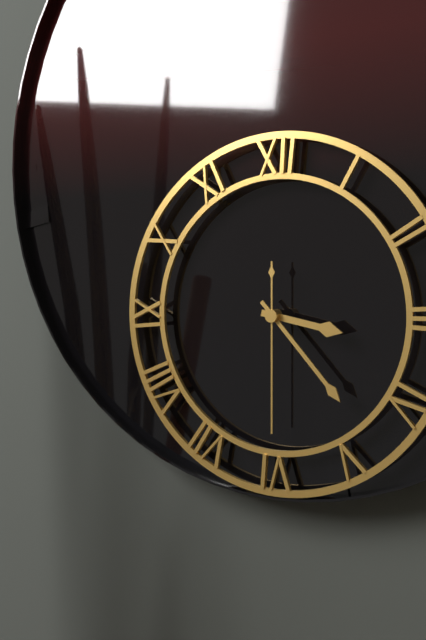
3:23:30
